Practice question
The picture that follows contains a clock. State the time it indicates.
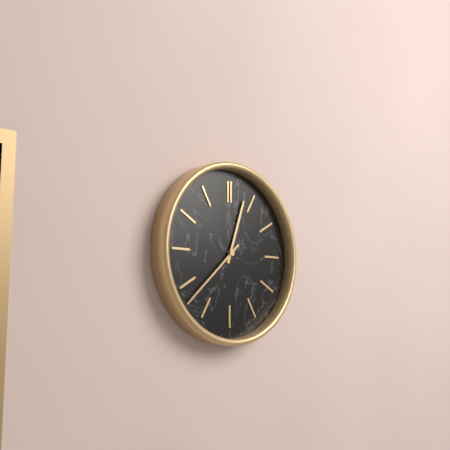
12:38
